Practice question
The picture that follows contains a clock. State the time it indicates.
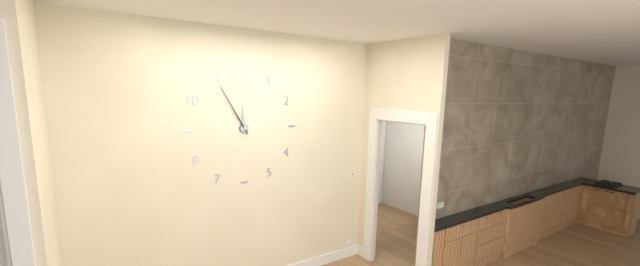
11:55
